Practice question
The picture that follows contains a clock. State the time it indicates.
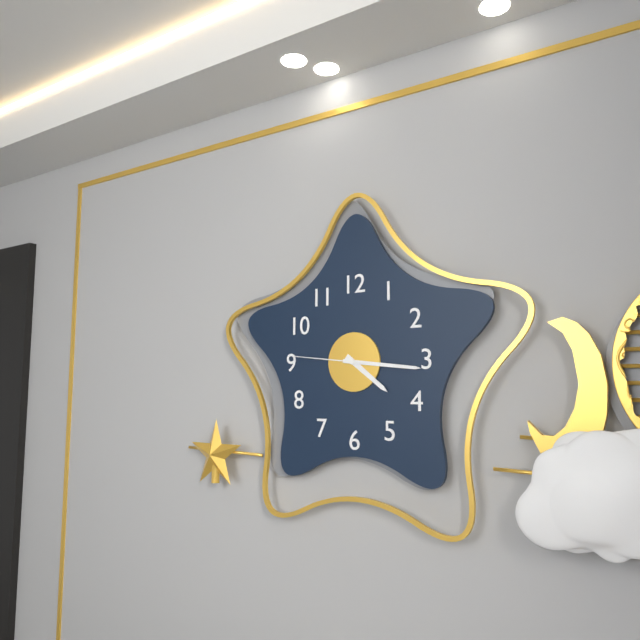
4:16:46
